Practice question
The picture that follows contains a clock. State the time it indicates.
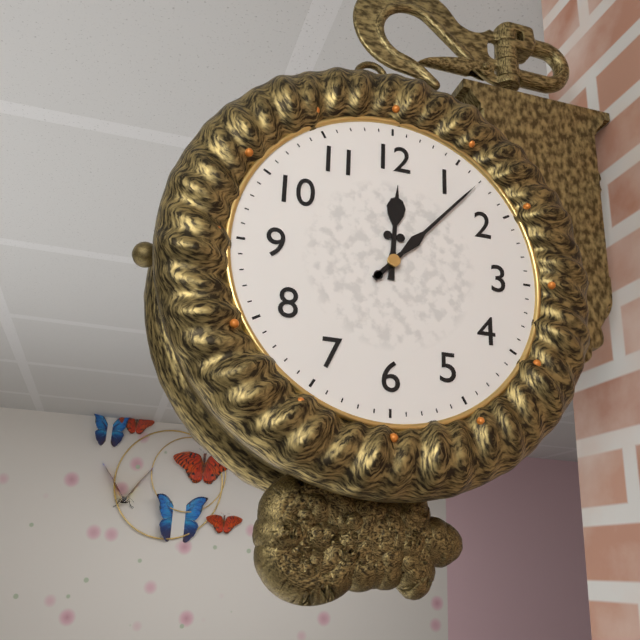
12:07
